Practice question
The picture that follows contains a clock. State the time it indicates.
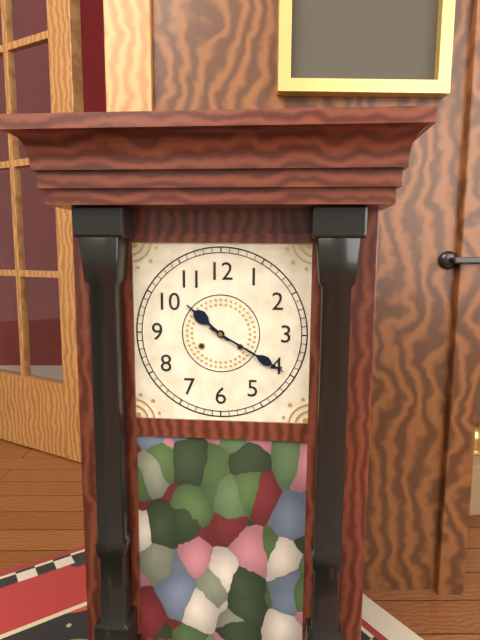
10:20
